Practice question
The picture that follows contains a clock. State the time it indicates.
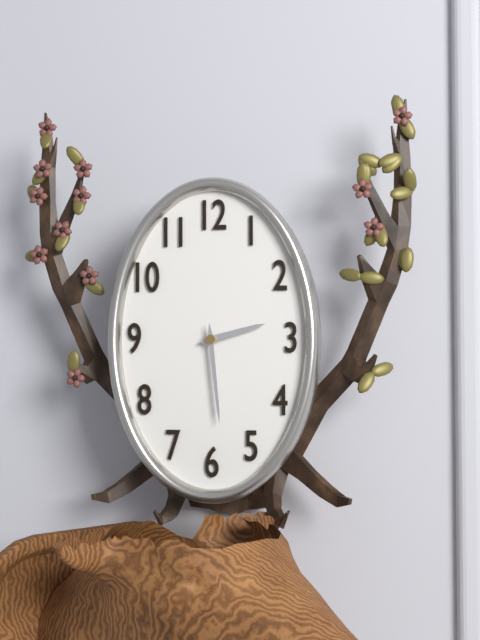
2:29
